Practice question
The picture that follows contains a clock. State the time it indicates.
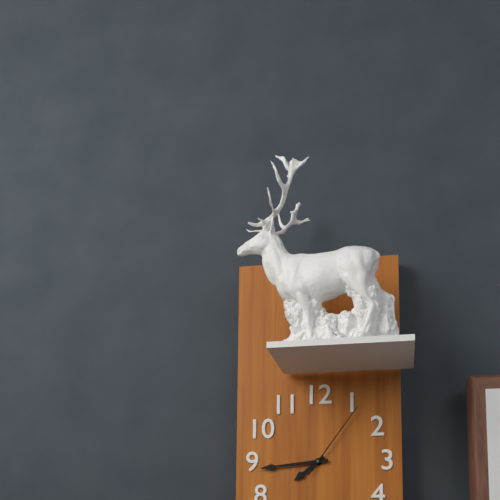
7:44:06
